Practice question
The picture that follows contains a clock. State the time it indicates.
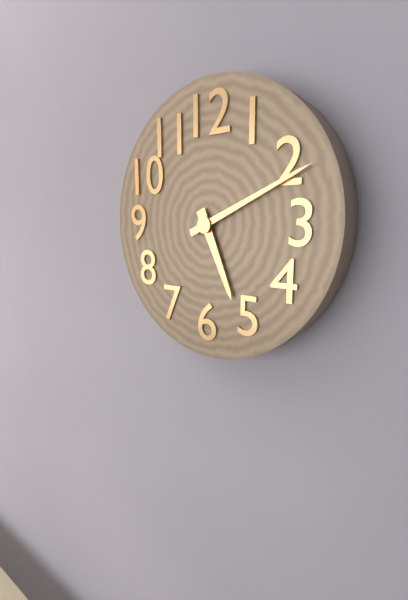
5:11
